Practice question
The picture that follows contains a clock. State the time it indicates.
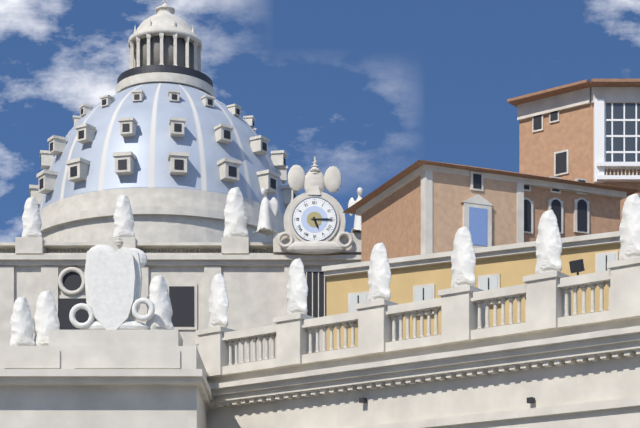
5:15
